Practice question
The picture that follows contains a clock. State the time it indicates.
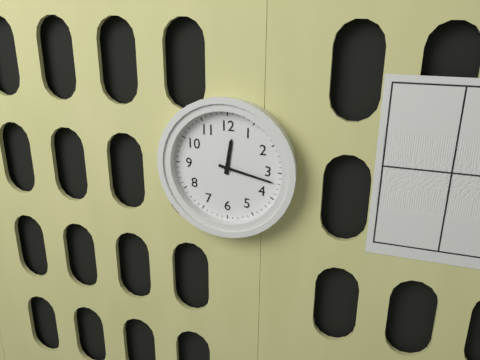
12:17
